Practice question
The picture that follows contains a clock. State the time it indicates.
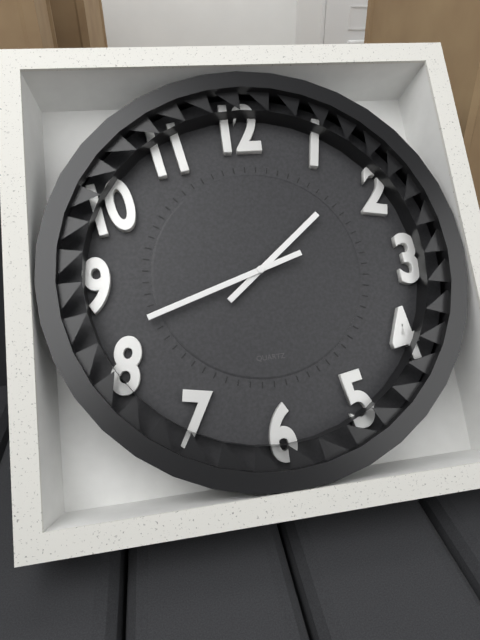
1:42
